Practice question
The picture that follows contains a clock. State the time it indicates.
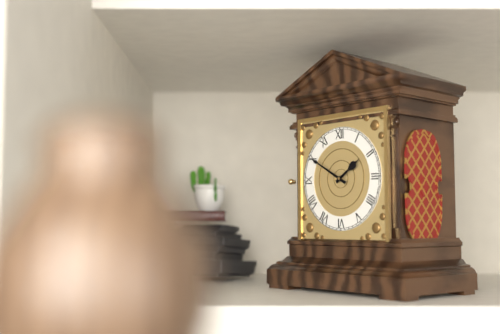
1:50
